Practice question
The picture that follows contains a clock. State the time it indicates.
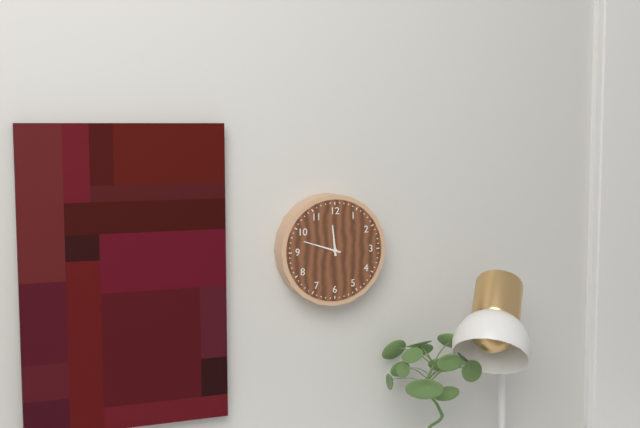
11:48
